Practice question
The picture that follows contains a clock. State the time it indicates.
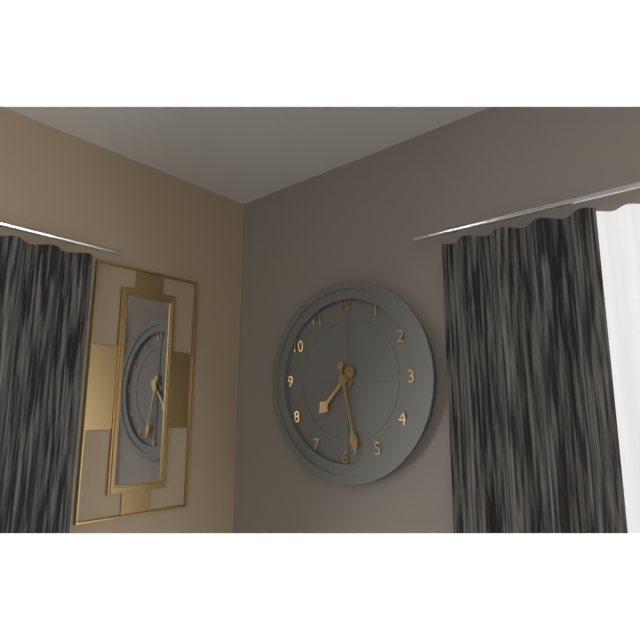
7:28
